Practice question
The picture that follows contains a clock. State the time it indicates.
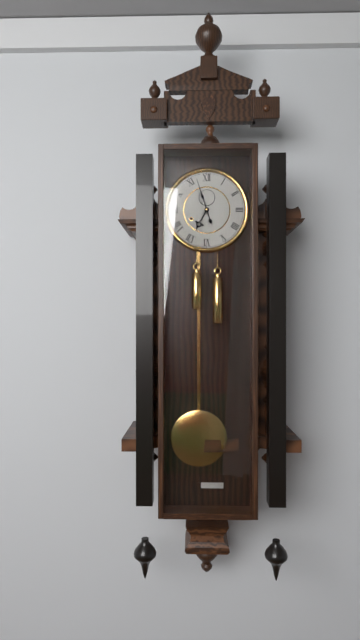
6:57
